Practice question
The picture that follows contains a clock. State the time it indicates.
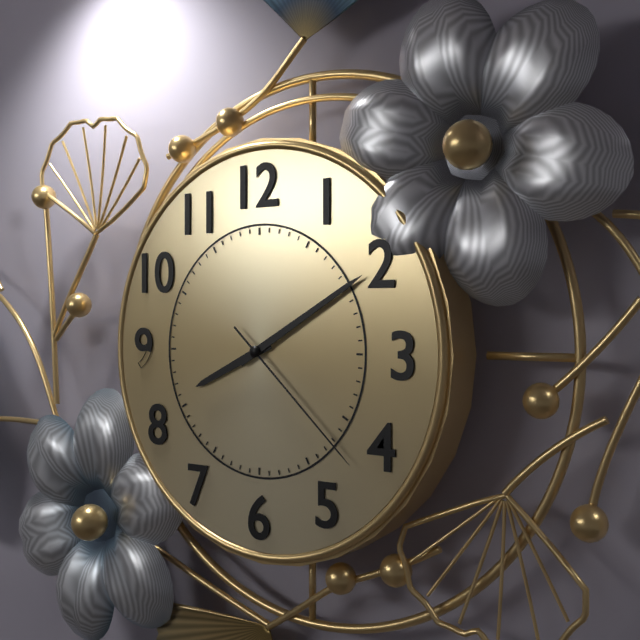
8:10:22
